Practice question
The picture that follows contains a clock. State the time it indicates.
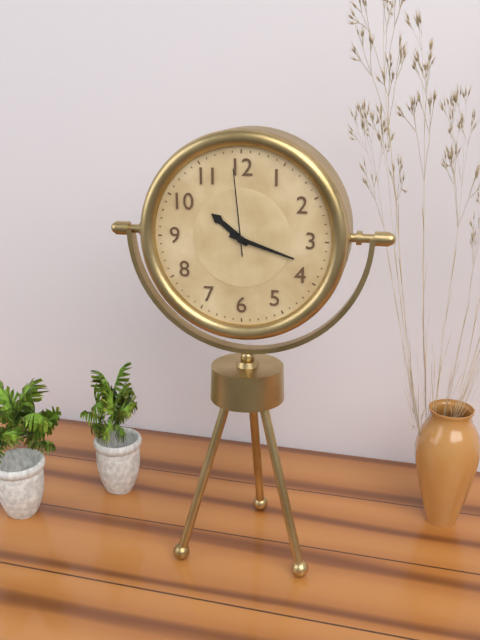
10:18:59
